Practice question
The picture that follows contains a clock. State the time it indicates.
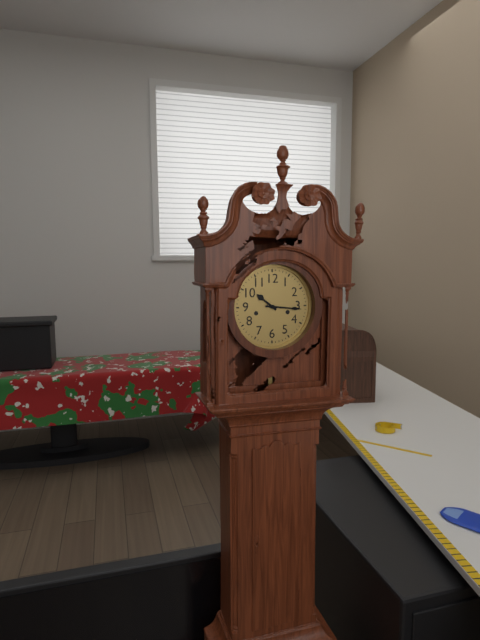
10:16
